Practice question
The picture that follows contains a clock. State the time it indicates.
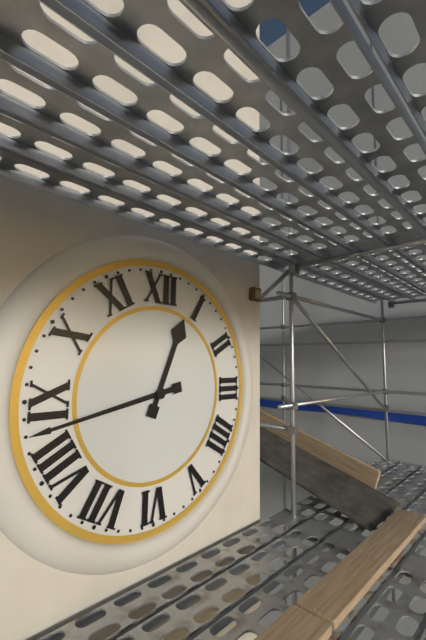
12:43
